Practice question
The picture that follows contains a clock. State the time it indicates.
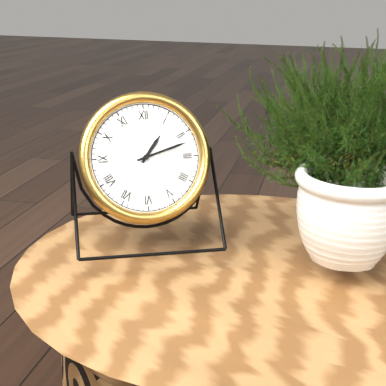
1:12
